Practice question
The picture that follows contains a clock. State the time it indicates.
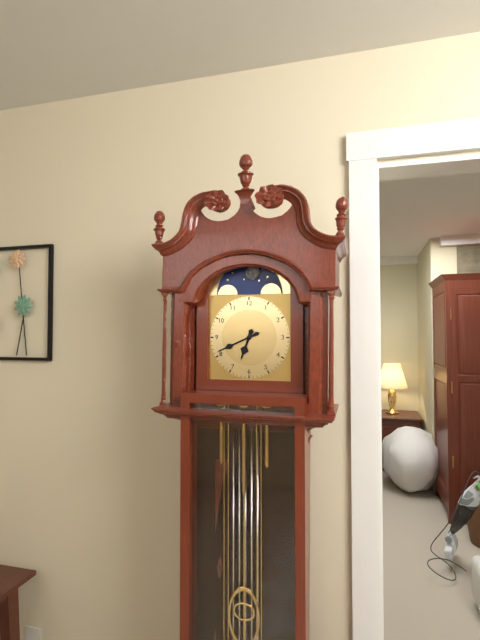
6:41
